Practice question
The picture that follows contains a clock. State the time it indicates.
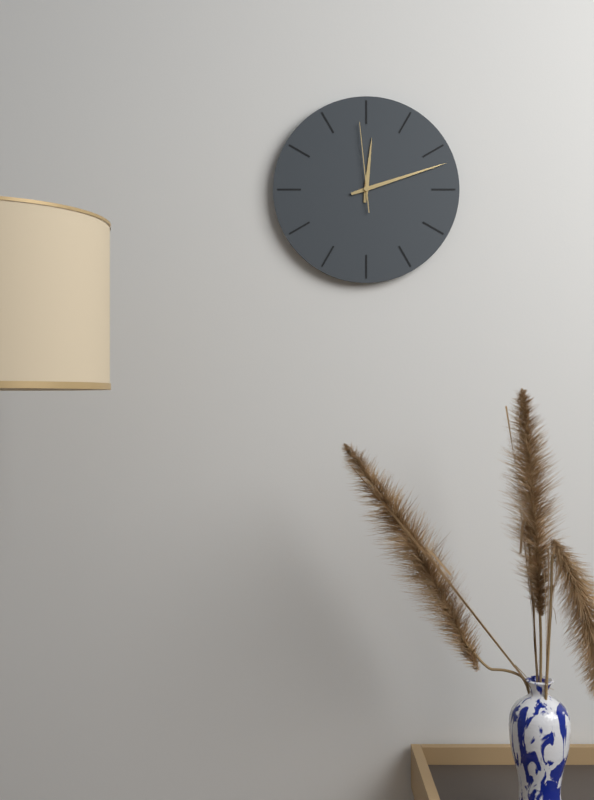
12:12:59
